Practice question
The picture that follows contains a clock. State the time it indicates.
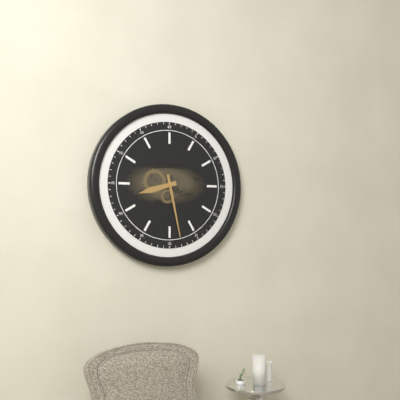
8:28
